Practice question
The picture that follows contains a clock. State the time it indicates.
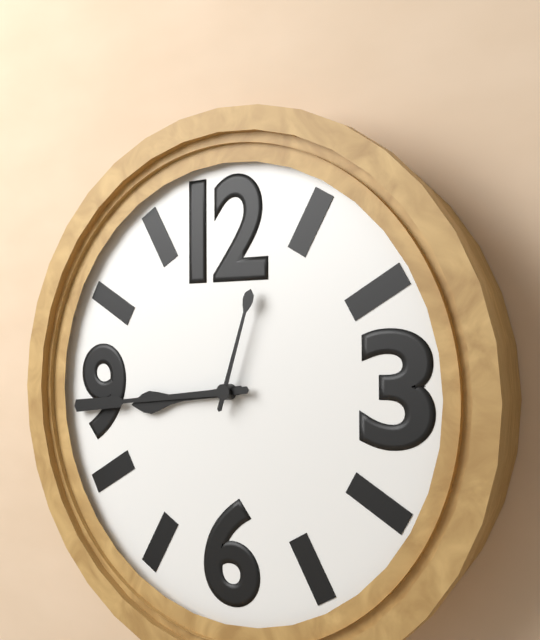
8:44:03
